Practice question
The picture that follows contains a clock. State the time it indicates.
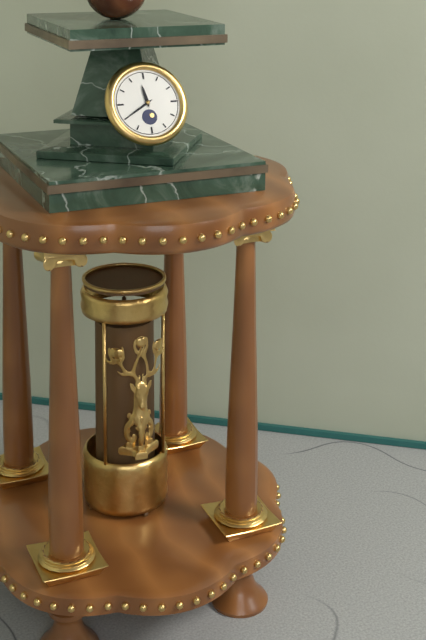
11:40
